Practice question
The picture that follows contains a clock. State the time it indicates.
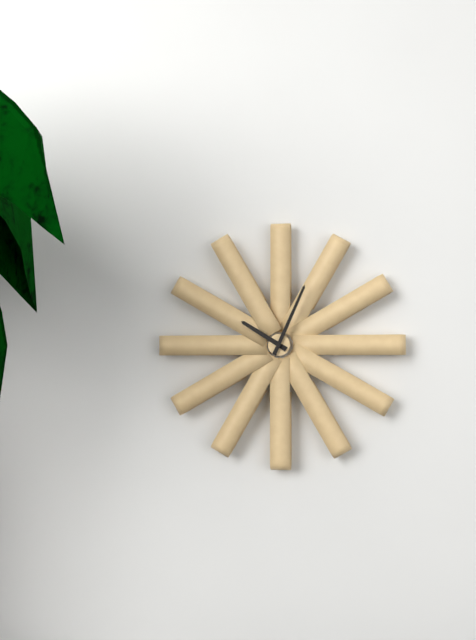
10:04
